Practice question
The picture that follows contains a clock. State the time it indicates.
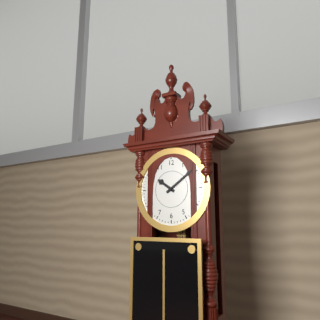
10:09
